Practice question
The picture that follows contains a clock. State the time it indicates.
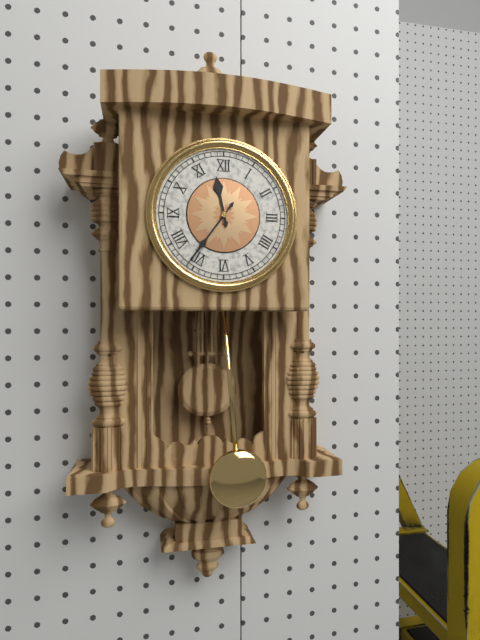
11:36
